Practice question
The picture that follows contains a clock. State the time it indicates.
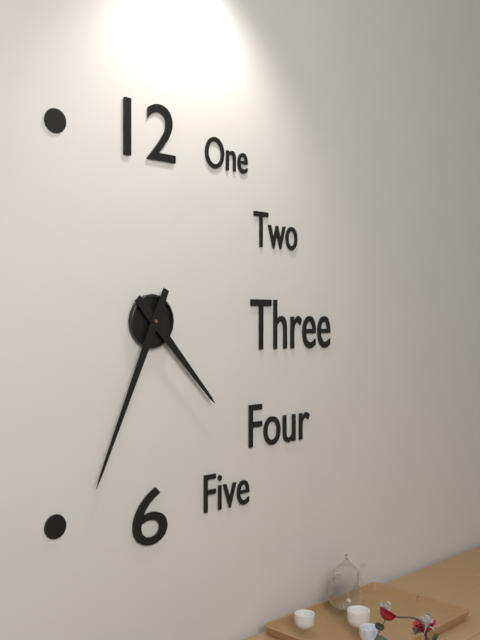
4:34
